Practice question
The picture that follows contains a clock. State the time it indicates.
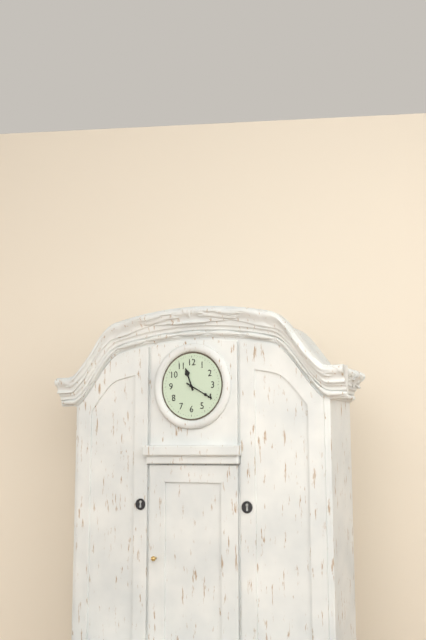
11:20
